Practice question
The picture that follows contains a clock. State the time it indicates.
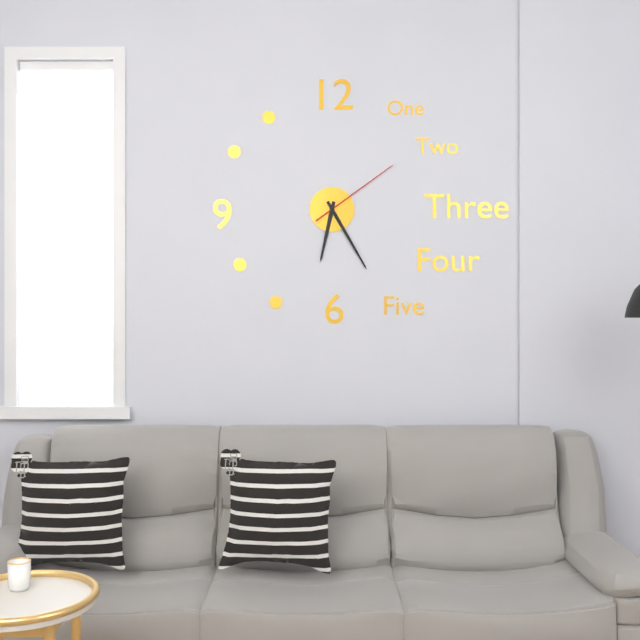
6:25:09
